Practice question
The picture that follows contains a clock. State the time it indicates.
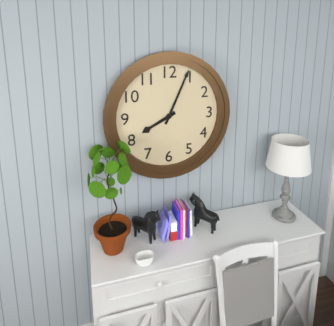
8:04
